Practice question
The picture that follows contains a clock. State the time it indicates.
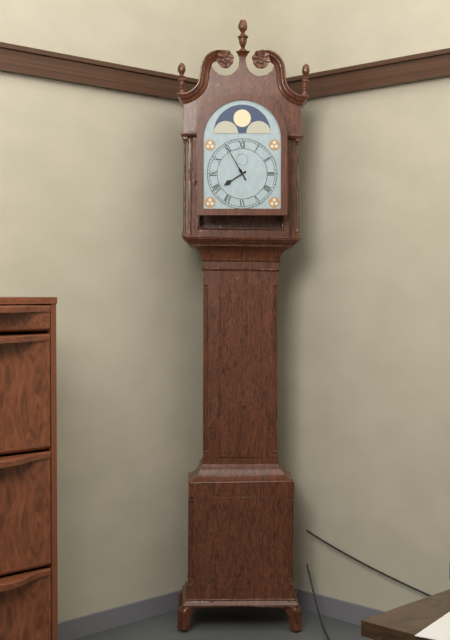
7:55
